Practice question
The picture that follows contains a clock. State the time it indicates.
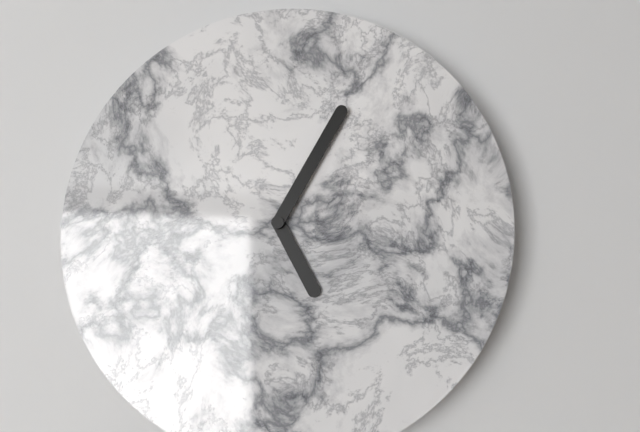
5:05
